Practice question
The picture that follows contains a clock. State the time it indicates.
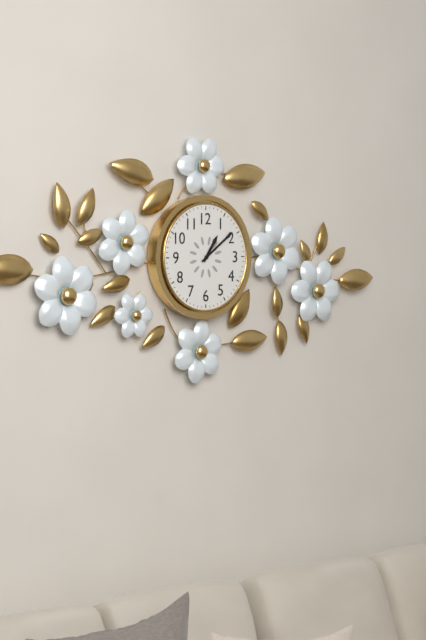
1:09
